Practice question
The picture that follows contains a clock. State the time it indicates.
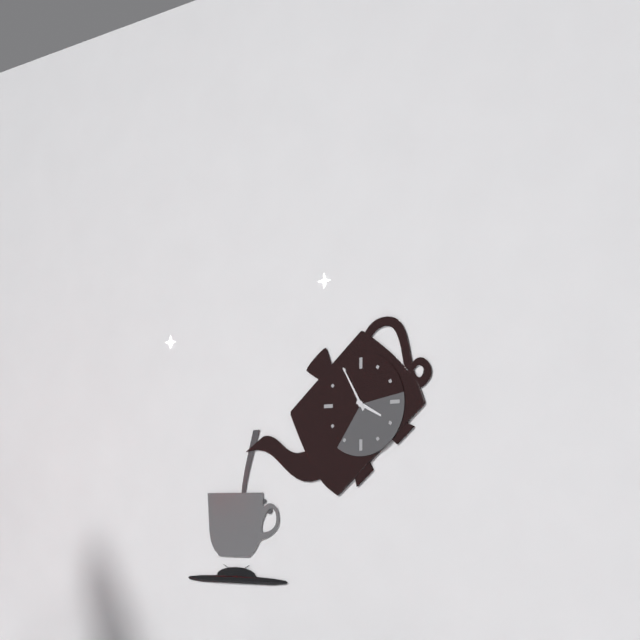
3:55
